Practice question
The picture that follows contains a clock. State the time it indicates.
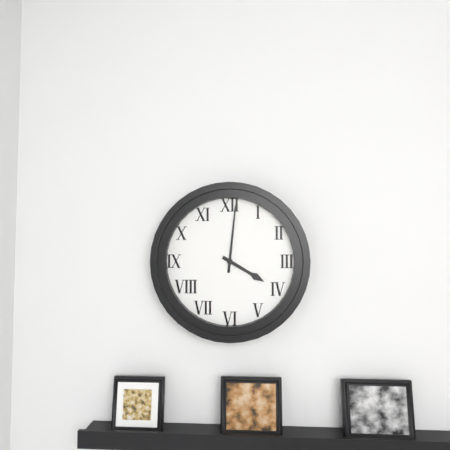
4:01
